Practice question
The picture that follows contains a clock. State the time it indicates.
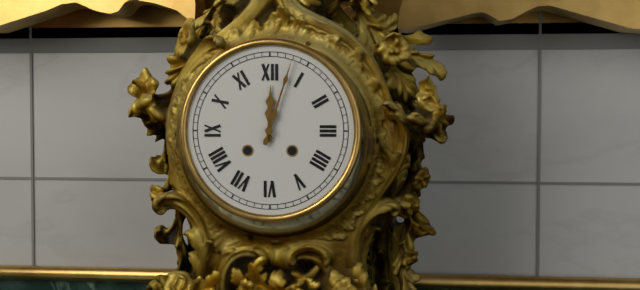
12:03
